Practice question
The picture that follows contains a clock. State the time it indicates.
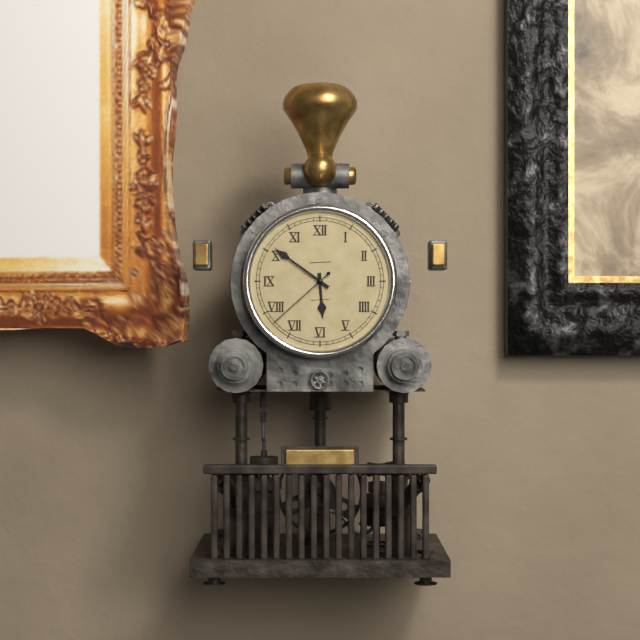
5:51:38
